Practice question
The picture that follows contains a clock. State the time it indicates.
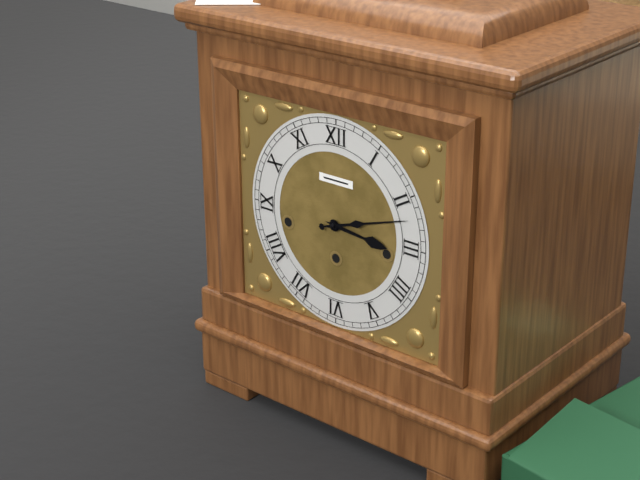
3:12
